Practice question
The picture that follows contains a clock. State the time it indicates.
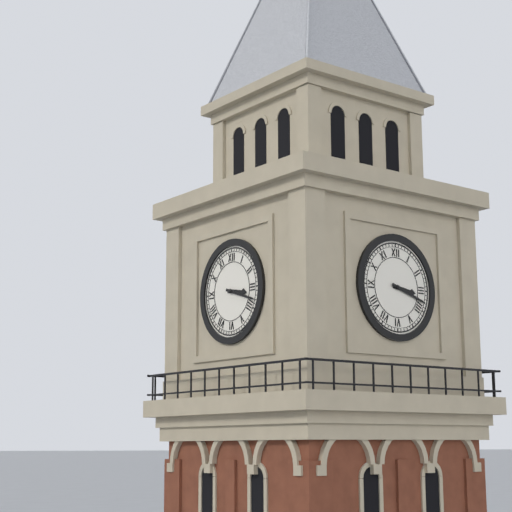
3:18
